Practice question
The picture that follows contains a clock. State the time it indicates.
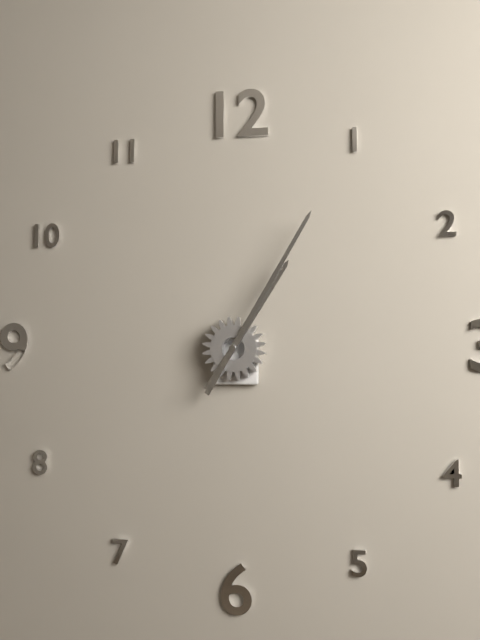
1:05
